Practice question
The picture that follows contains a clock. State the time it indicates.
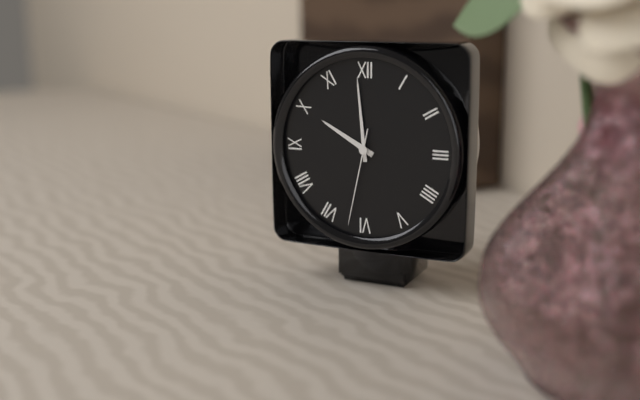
9:59:32
